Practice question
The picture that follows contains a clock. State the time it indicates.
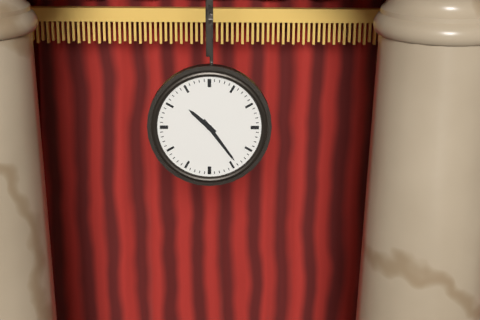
10:24
